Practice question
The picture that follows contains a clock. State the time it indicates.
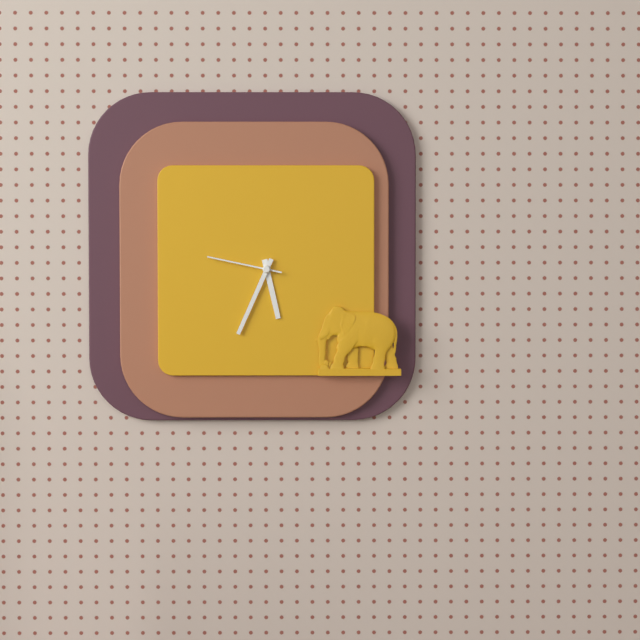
5:34:47
